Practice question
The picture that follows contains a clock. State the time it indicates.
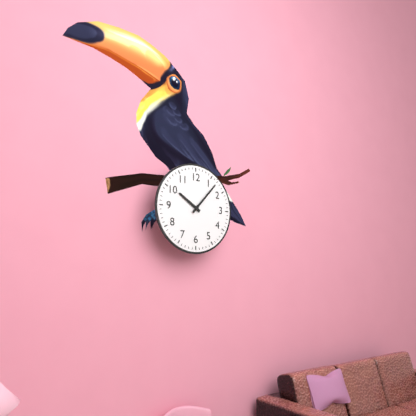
10:07
